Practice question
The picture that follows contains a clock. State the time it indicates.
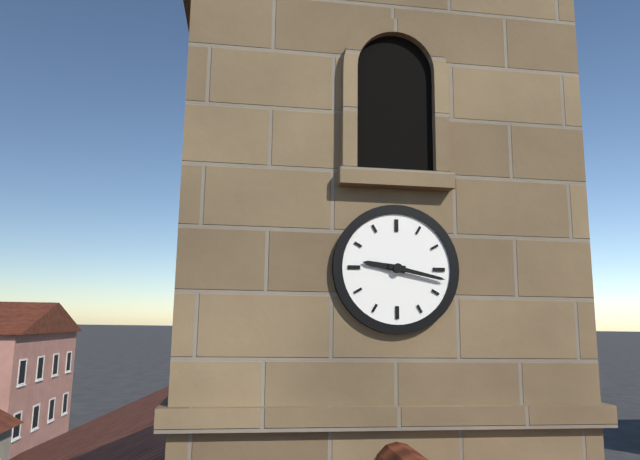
9:17
